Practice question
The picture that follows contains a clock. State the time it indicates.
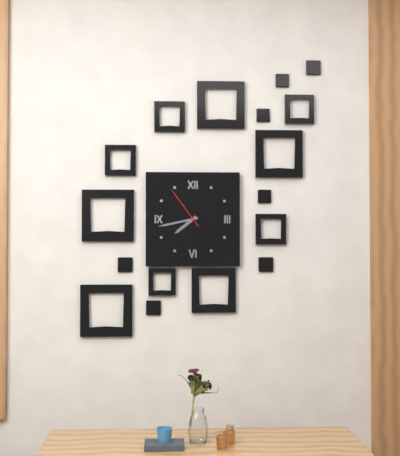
7:43
